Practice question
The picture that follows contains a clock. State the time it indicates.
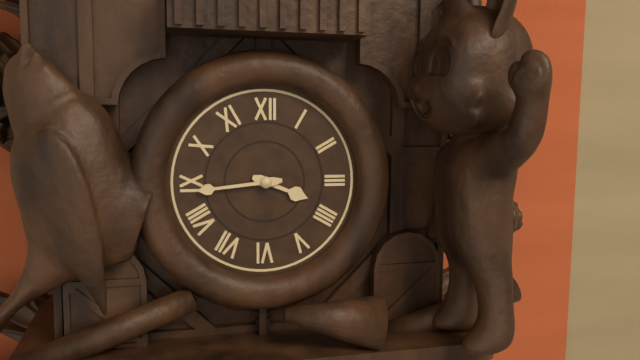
3:44
